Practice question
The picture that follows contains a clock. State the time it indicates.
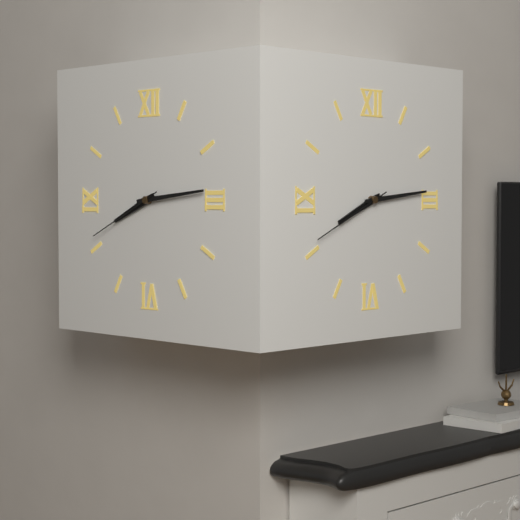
8:14:41
